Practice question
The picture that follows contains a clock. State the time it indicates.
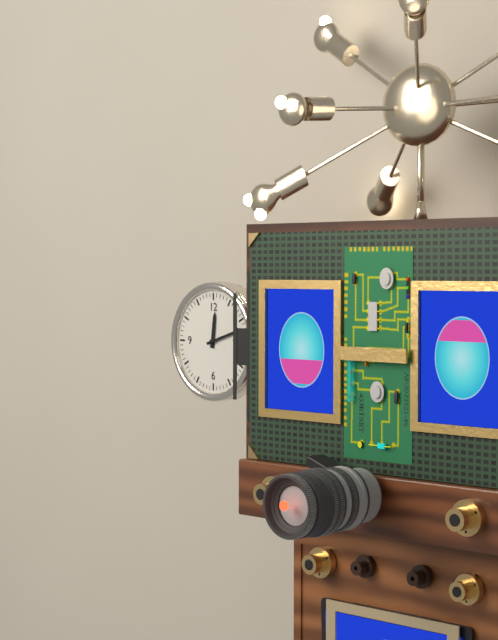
12:12
